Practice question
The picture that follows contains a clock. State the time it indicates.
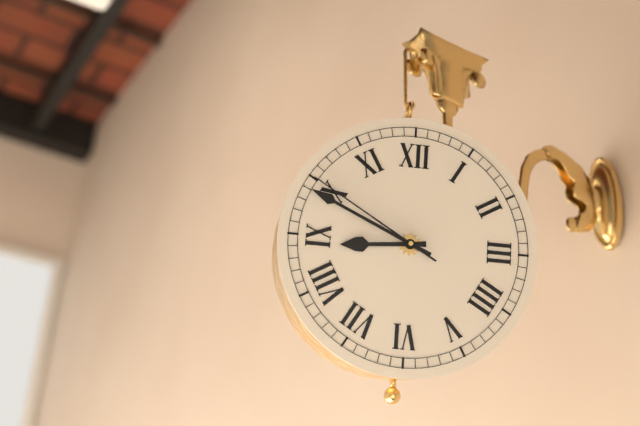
8:49:50
